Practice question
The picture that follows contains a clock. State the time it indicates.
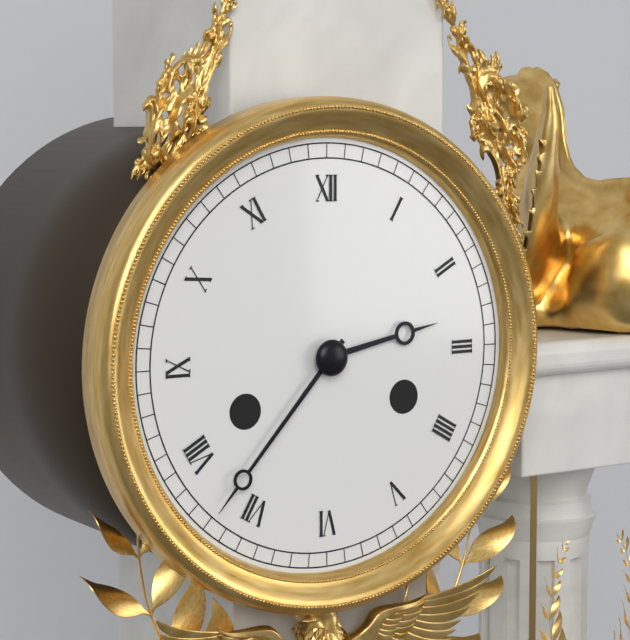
2:37
